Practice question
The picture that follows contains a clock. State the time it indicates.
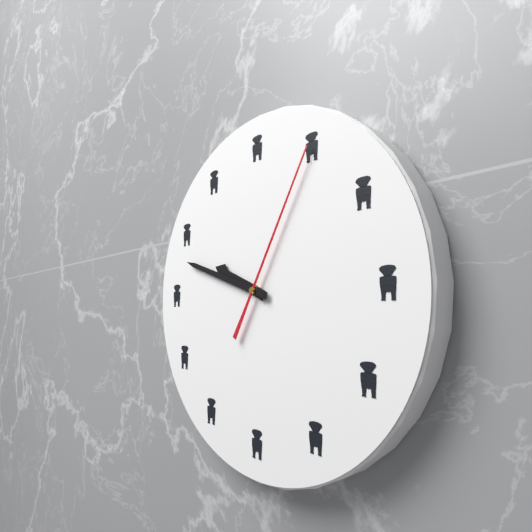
9:48:05
